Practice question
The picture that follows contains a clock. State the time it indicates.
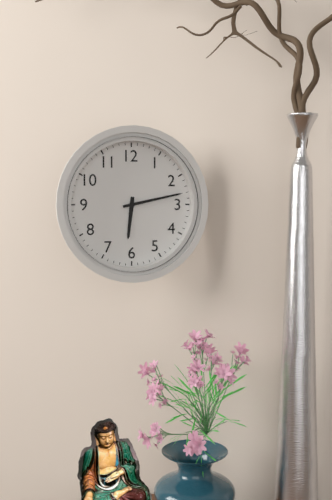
6:13
